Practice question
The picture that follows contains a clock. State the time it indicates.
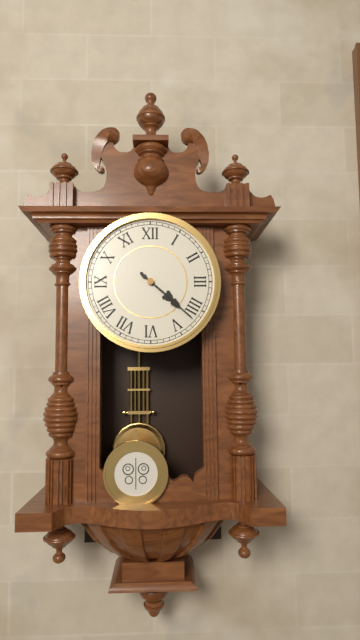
4:22
